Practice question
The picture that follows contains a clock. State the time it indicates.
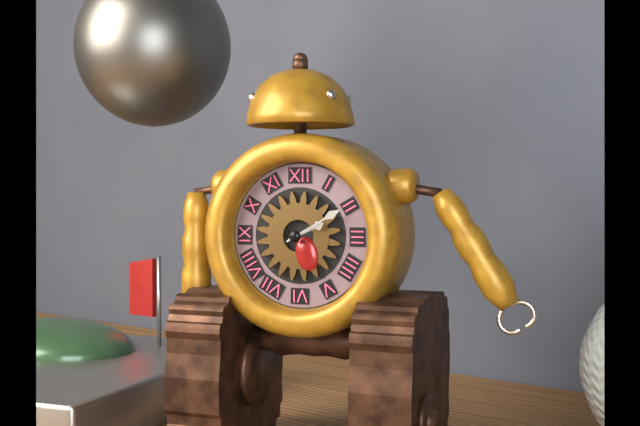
2:10
